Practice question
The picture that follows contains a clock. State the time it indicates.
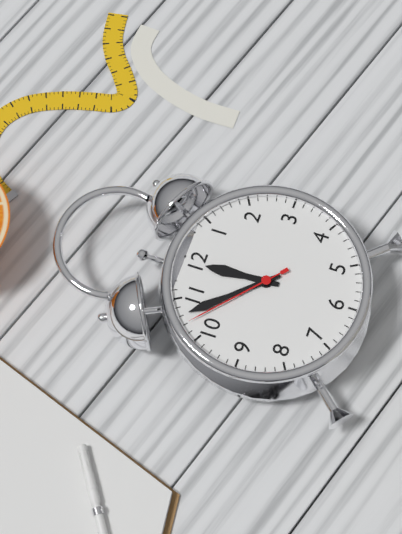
11:53:52
